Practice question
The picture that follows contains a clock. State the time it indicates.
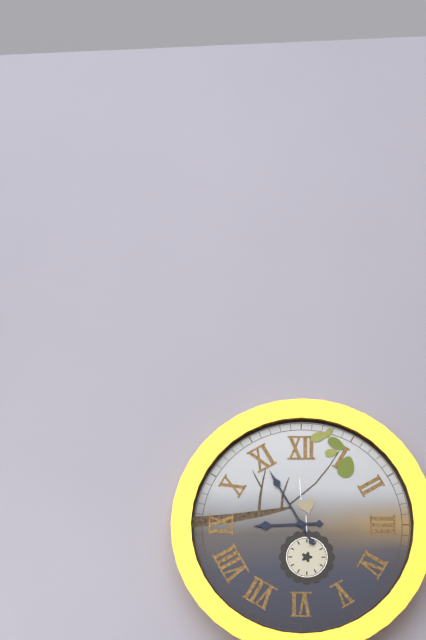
8:55
